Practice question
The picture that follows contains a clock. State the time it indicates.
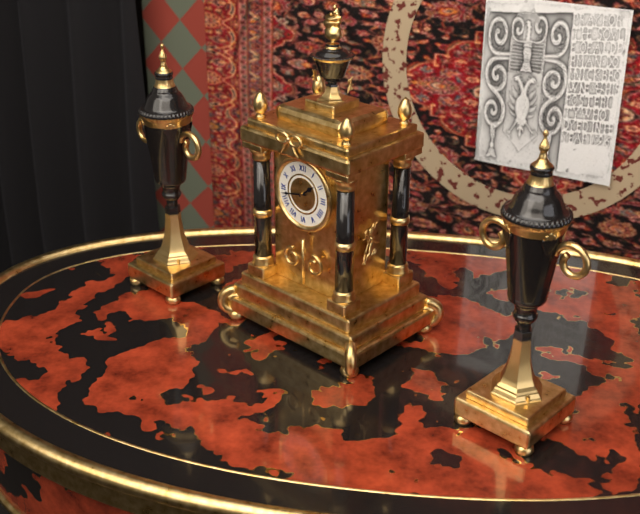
1:43
